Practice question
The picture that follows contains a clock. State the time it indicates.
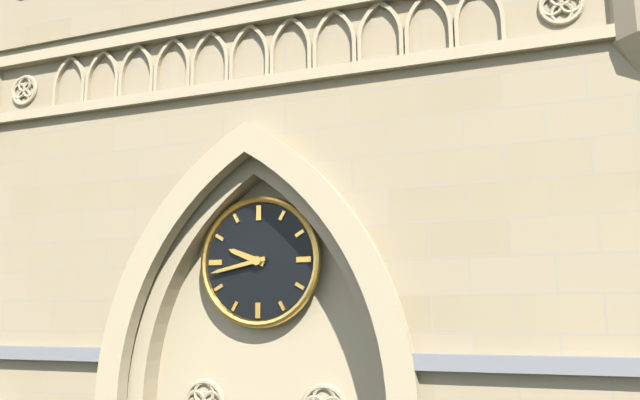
9:43
